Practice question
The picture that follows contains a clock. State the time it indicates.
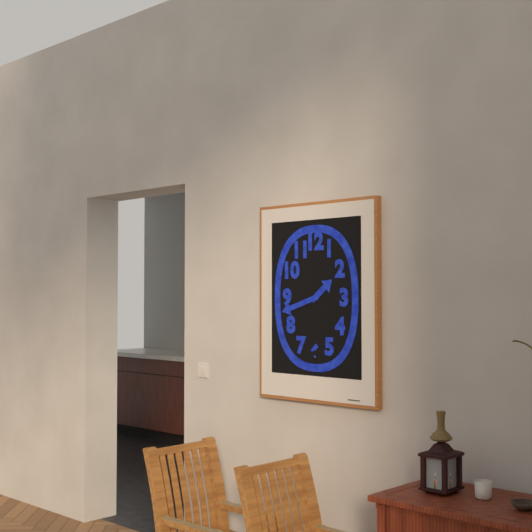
1:42
